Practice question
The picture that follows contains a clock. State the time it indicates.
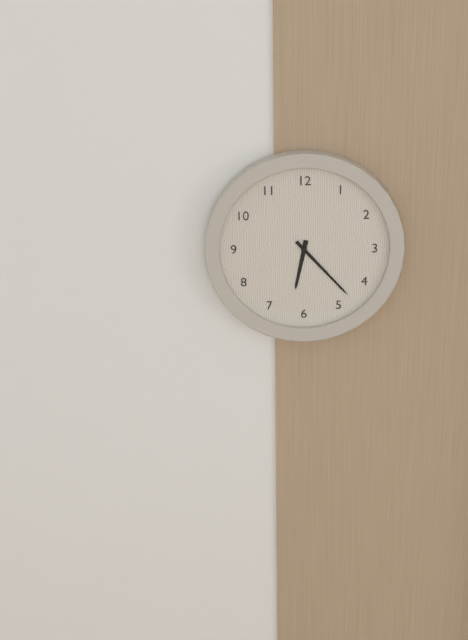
6:23
